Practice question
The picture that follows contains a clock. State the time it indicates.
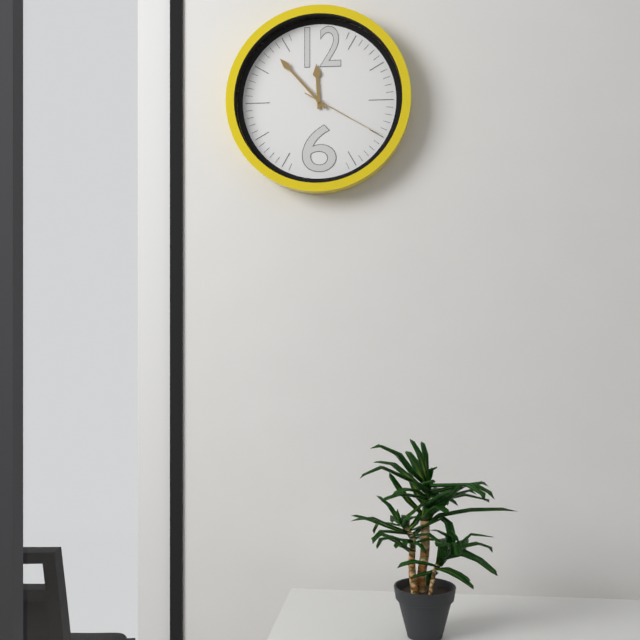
11:53:20
